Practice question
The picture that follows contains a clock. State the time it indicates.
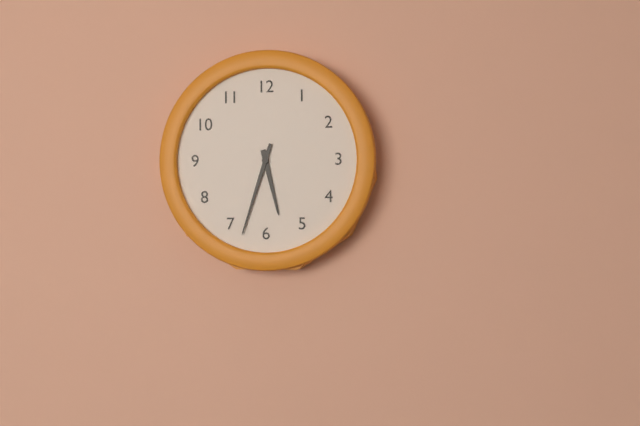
5:33
